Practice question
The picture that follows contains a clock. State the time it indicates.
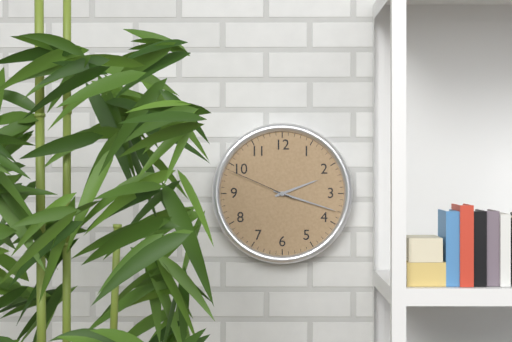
2:18:49
